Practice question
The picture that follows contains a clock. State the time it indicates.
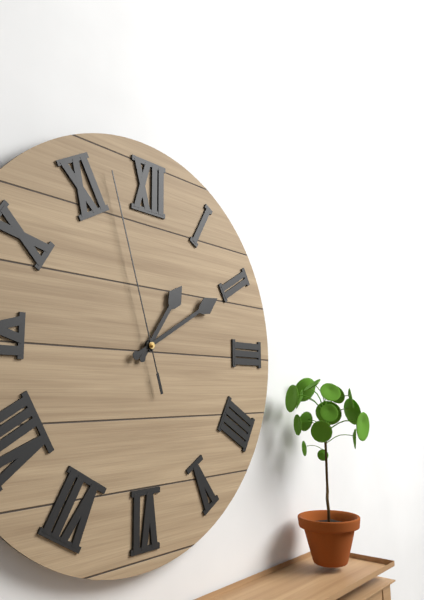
1:10:57
